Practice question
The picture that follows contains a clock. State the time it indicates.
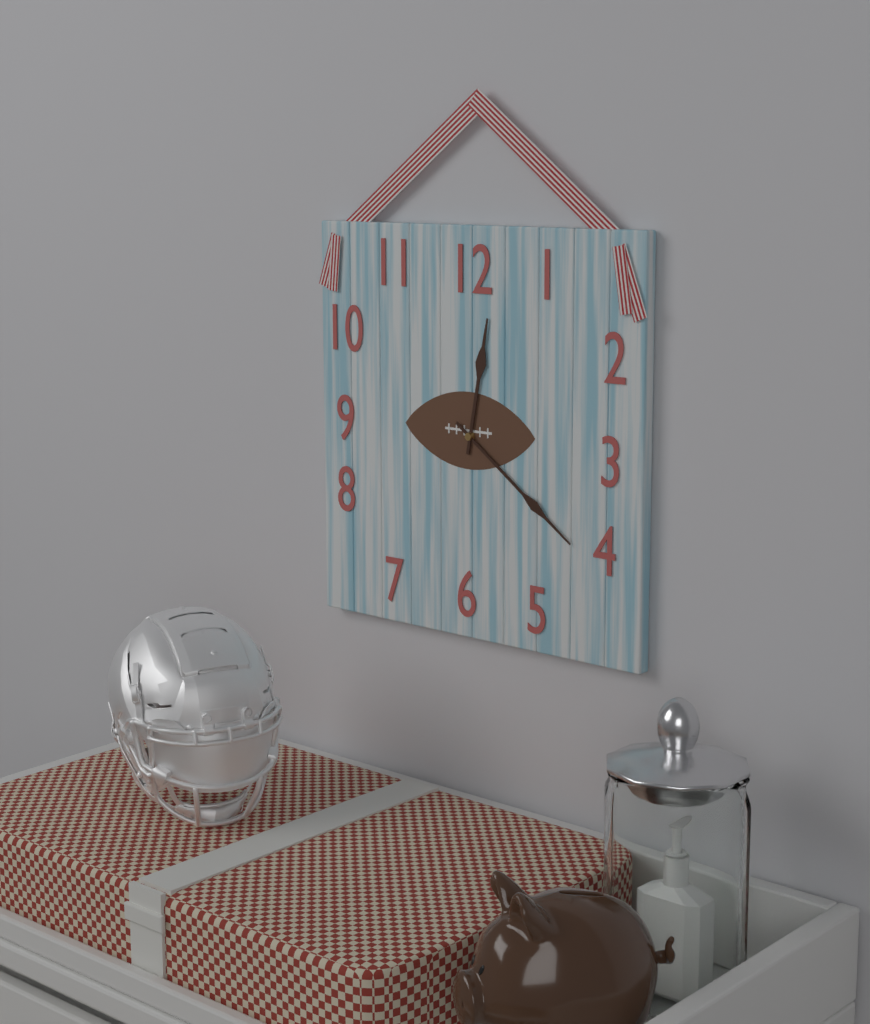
12:21
